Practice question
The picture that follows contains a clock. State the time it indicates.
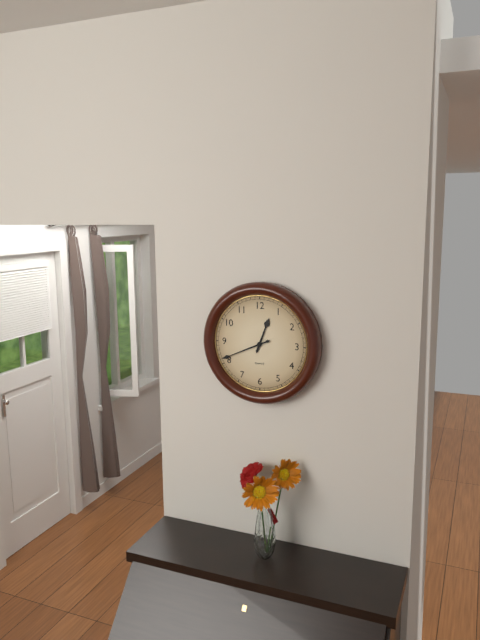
12:41
